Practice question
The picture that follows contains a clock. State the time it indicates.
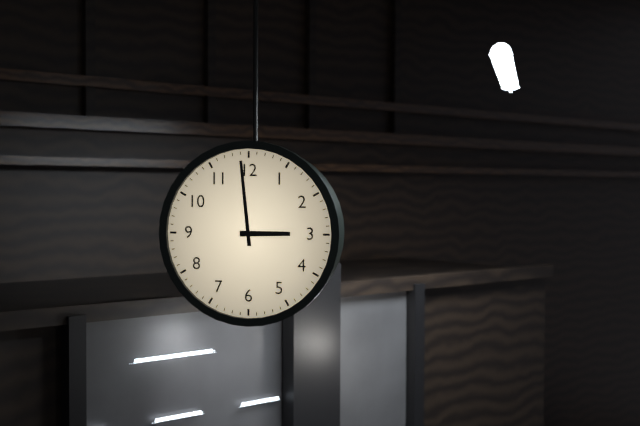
2:59
